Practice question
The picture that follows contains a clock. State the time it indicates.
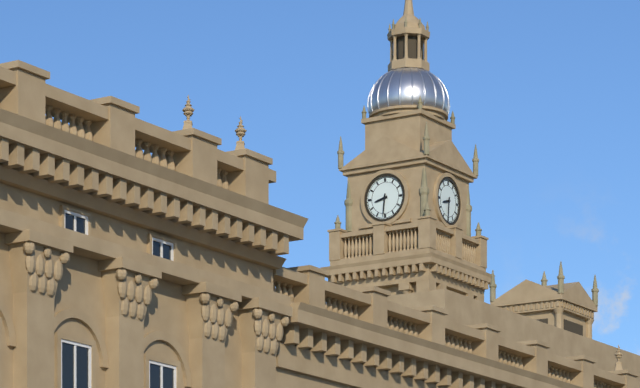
8:31
